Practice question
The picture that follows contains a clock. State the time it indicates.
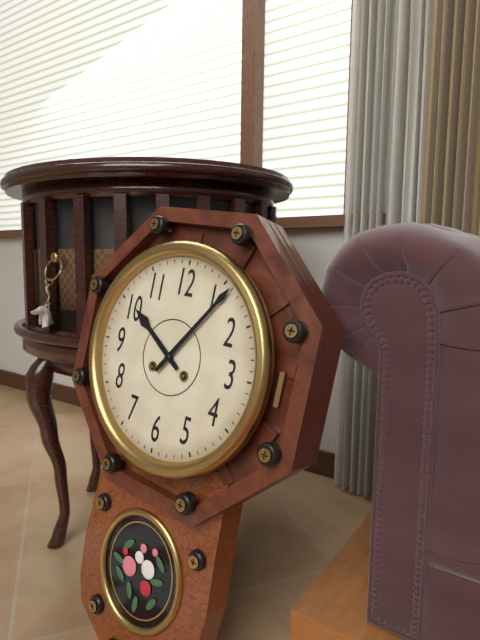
10:06
